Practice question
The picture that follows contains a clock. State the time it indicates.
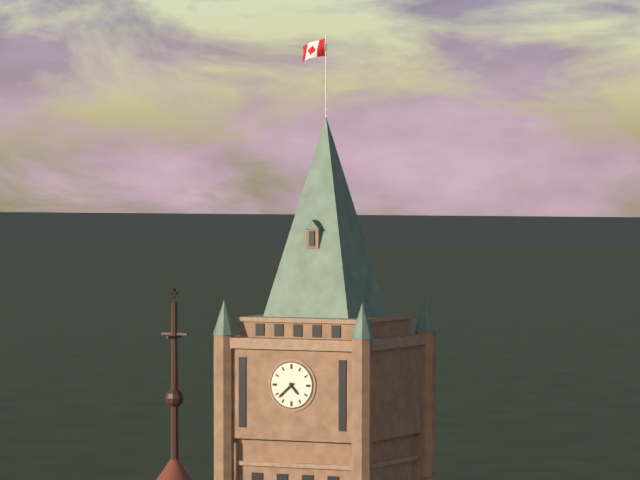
4:38
